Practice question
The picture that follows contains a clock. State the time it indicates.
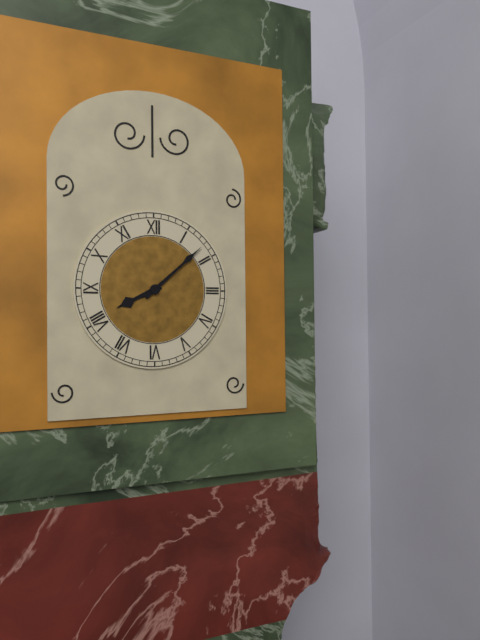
8:08
